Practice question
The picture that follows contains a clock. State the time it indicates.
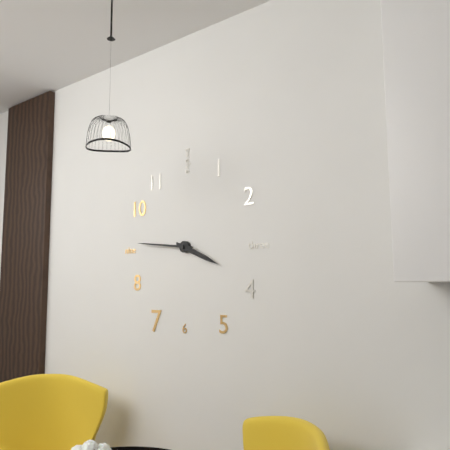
3:46
